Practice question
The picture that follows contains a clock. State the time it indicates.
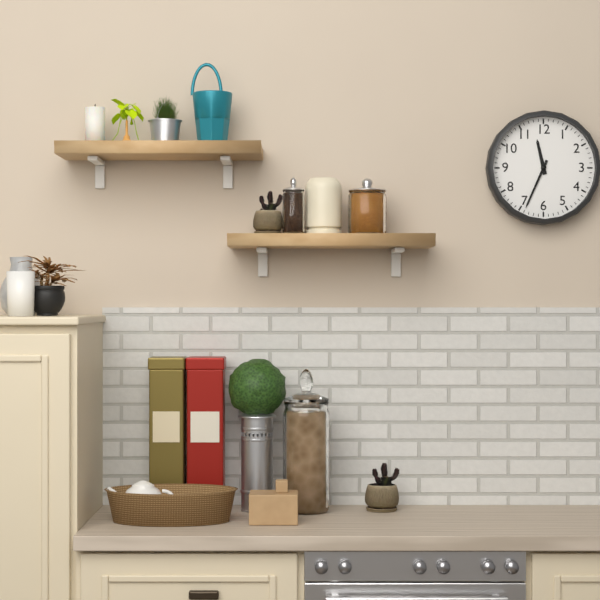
11:34
